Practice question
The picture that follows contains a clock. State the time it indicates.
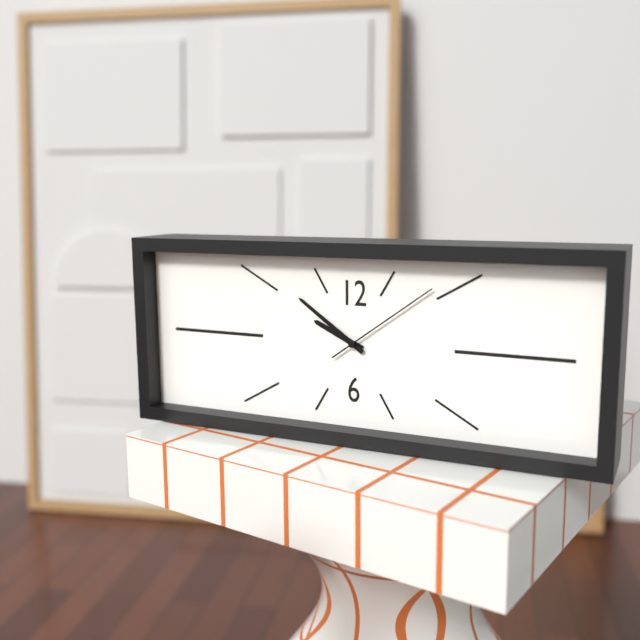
9:51:09
